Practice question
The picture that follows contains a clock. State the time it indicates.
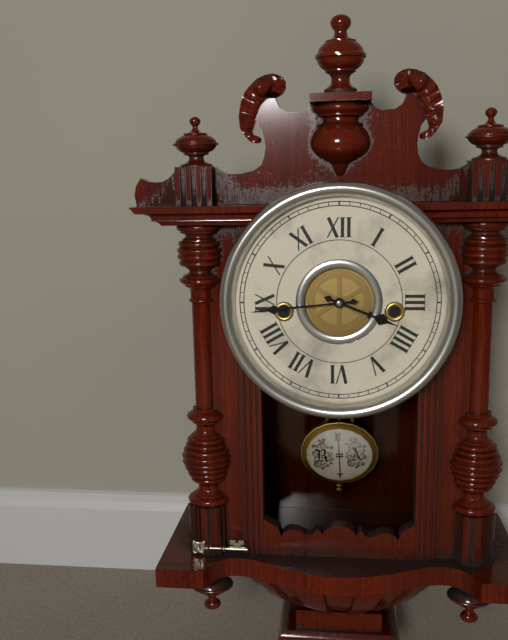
3:44
